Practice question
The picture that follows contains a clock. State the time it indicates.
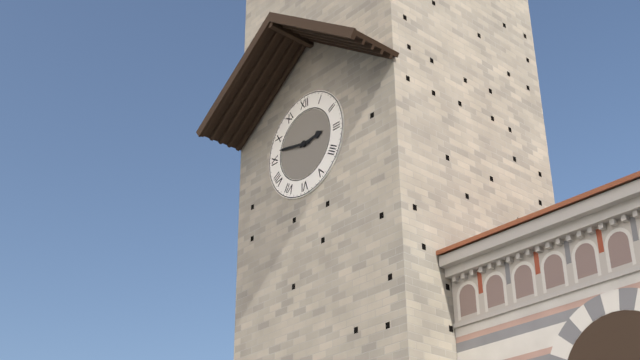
2:47
